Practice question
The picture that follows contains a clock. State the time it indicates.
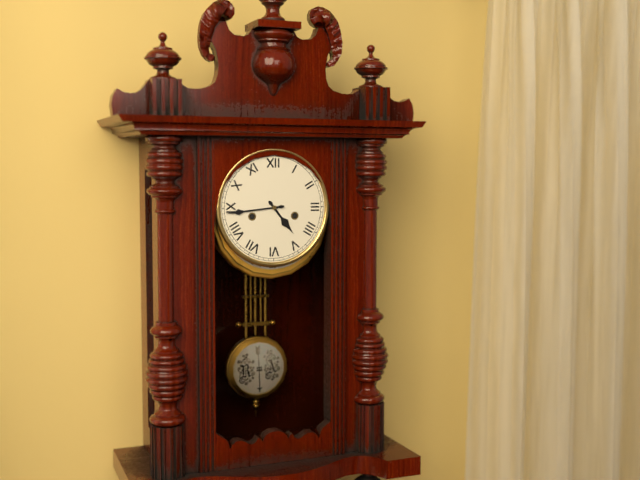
4:44
